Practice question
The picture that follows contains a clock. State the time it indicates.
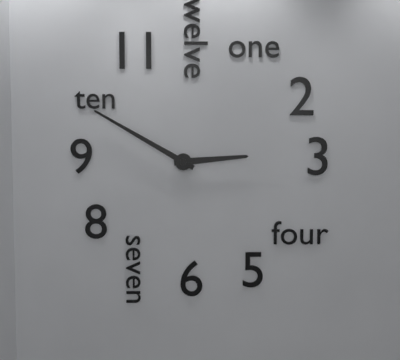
2:50
